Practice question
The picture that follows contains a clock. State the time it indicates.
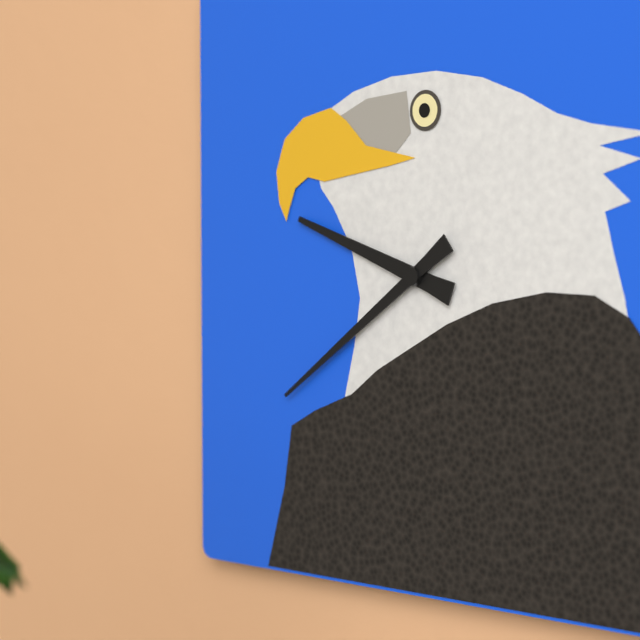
9:39
